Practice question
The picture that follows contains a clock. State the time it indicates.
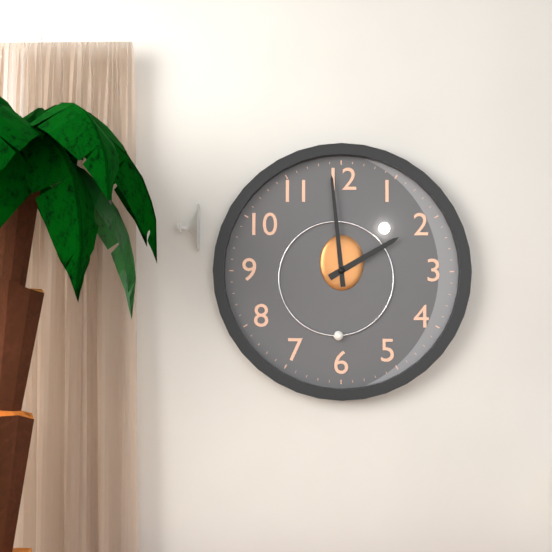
1:59
